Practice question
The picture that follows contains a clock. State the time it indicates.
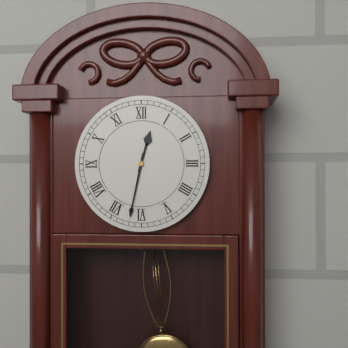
12:32
